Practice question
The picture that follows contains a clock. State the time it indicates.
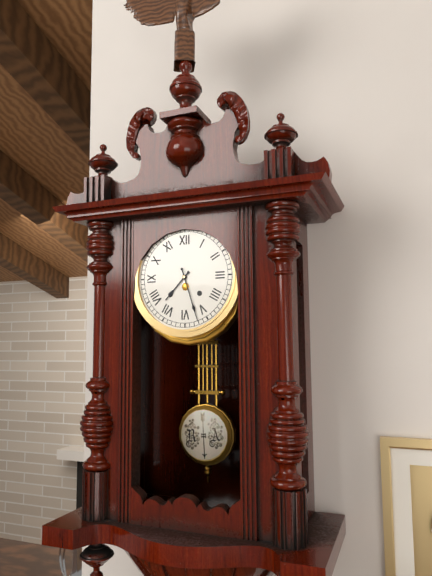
7:27
